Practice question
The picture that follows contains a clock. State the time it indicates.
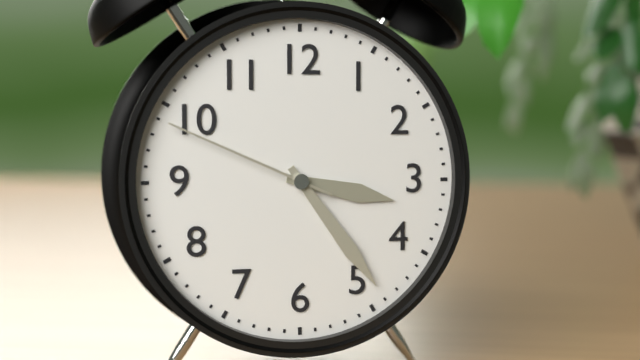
3:24:49
